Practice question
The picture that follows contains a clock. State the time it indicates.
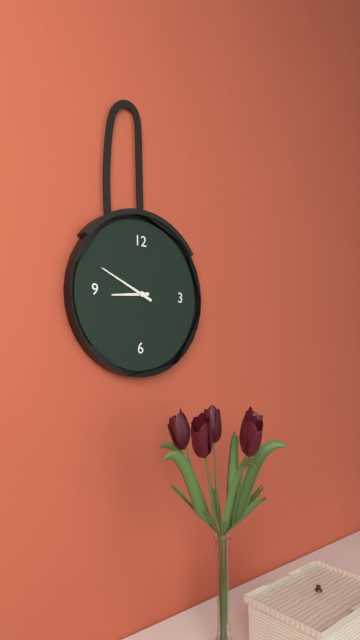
8:49
